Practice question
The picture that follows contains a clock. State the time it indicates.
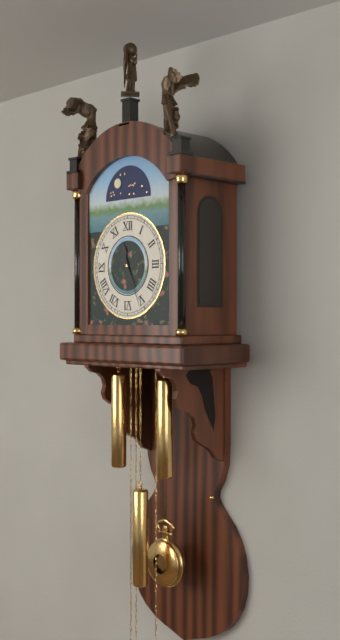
11:26
